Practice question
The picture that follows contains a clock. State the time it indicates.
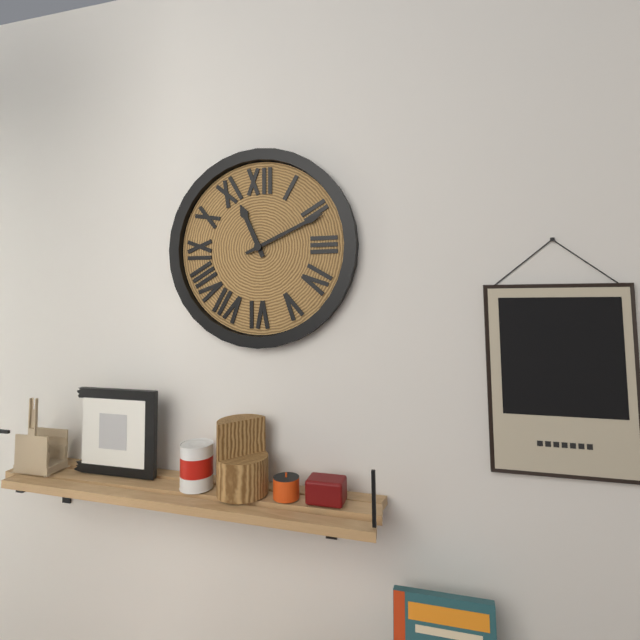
11:11
